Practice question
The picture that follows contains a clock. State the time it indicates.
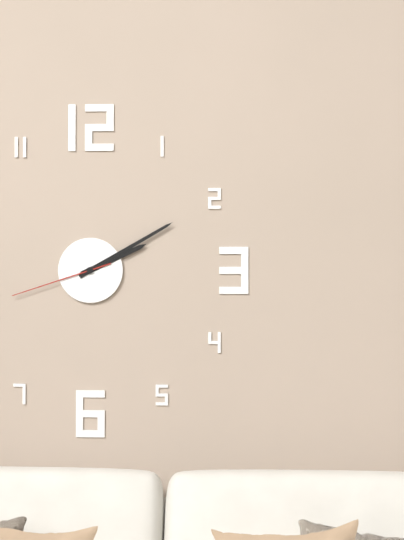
2:10:42
